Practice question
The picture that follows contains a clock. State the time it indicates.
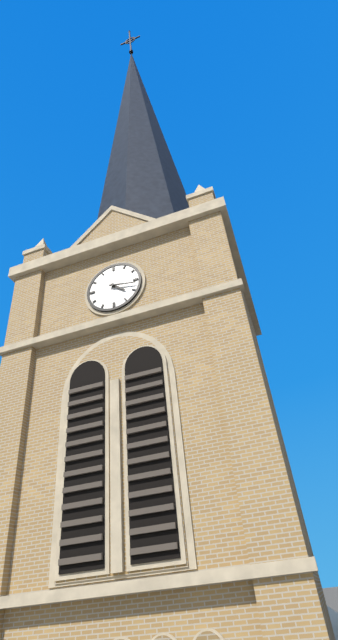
4:17
